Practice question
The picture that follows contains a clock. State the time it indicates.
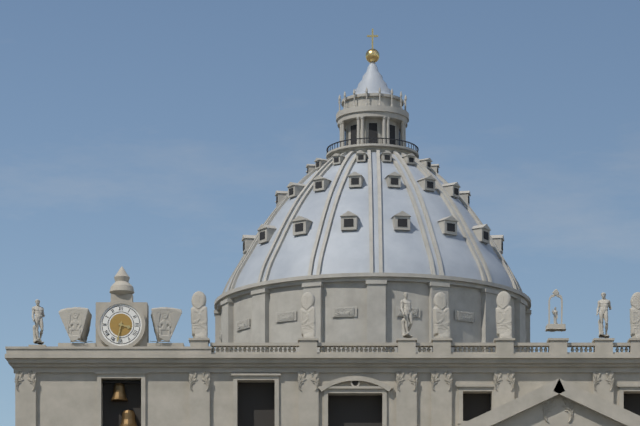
3:32
